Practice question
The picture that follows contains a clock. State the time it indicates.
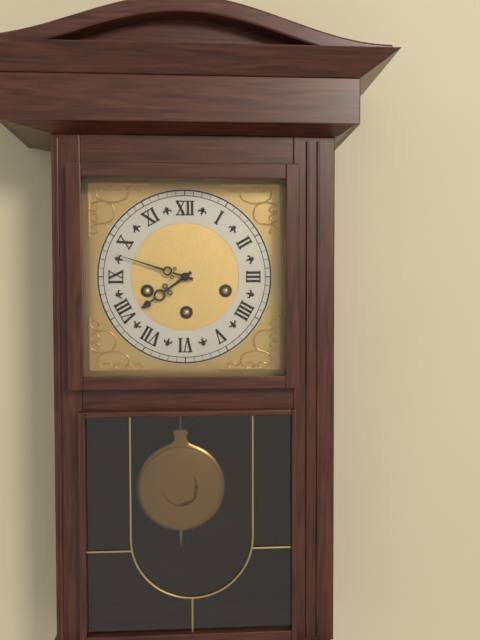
7:48
